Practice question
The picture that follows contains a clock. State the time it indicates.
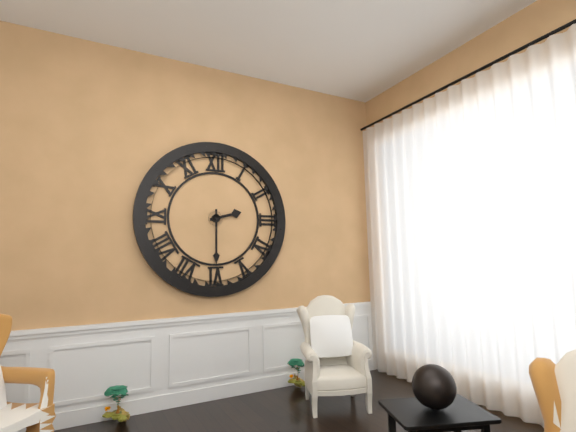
2:30
